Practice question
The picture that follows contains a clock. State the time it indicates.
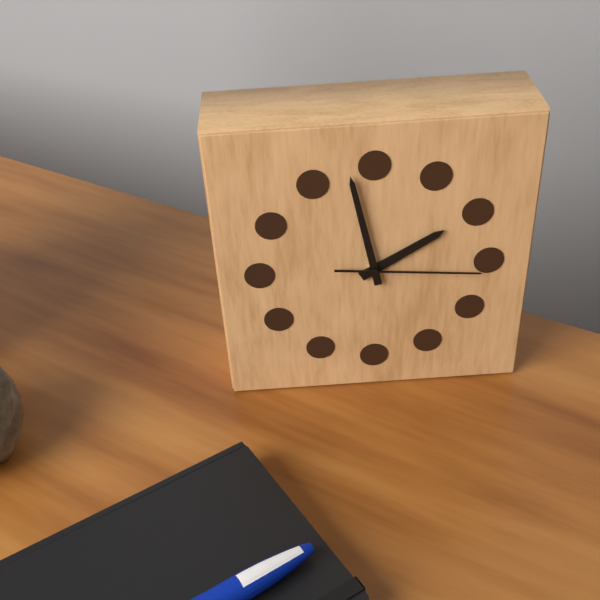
1:58:16
